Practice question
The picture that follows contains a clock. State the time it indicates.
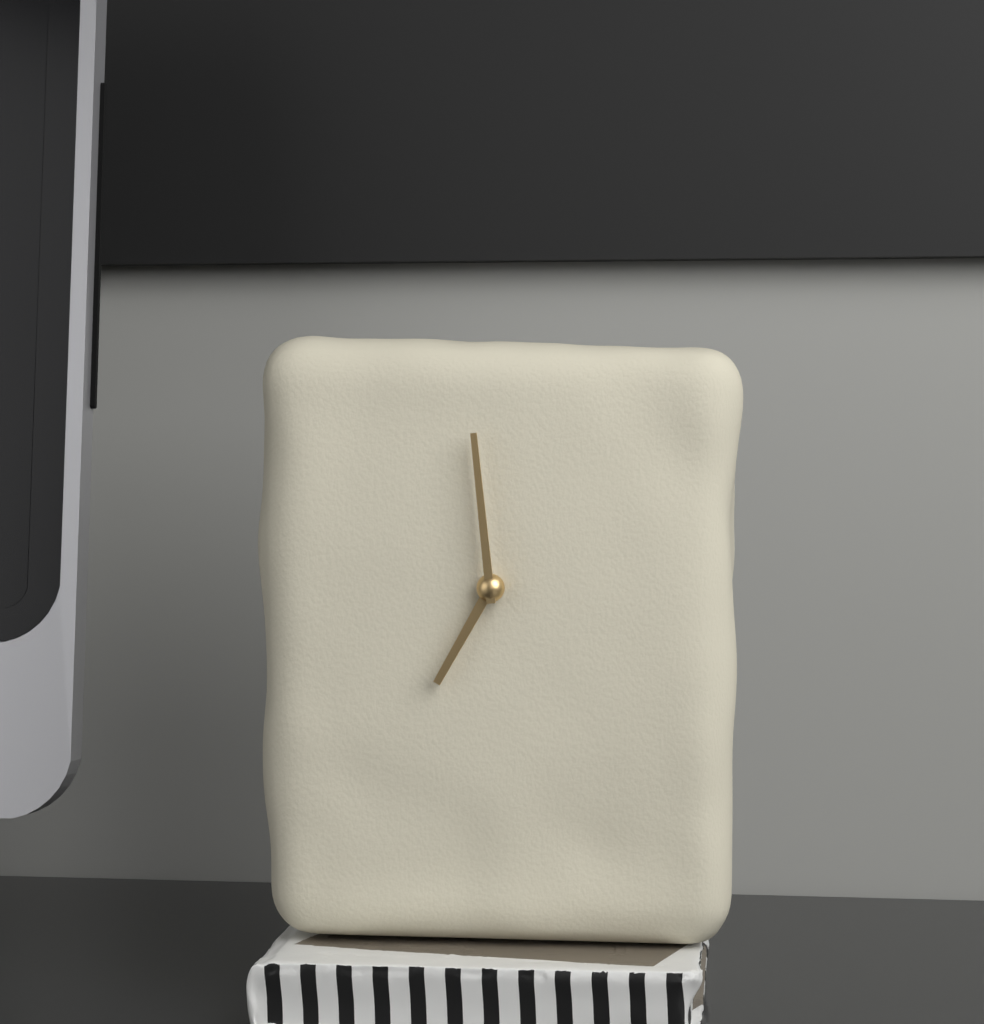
6:59
